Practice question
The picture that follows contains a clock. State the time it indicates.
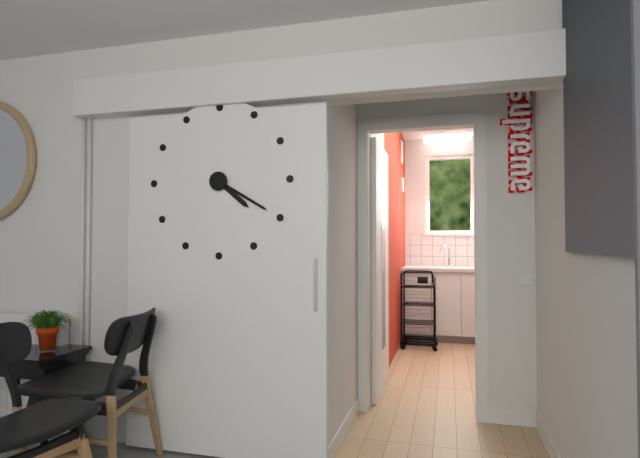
4:20
